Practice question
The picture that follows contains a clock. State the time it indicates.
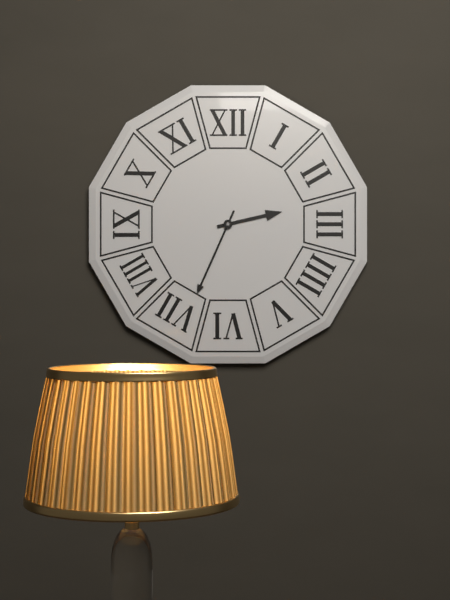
2:34
